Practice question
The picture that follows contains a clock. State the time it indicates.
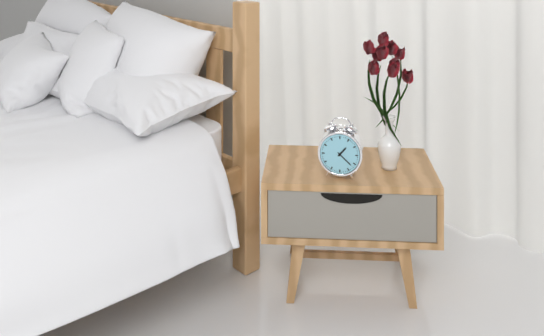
1:22
